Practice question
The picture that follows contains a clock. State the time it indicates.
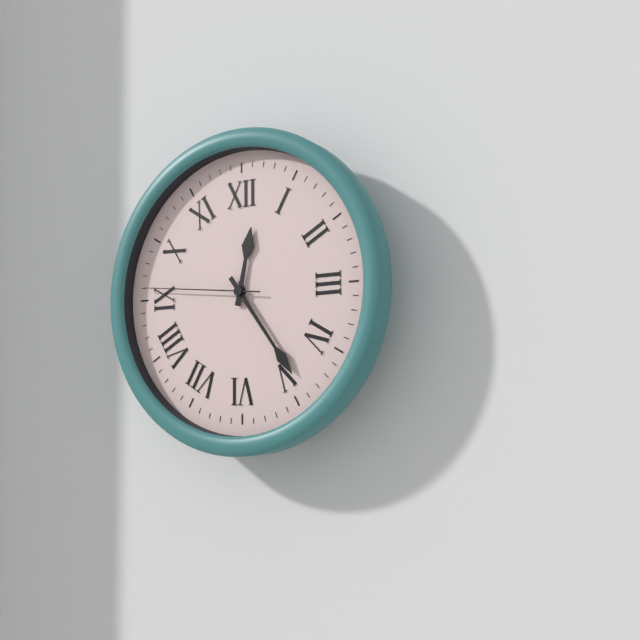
12:24:46
